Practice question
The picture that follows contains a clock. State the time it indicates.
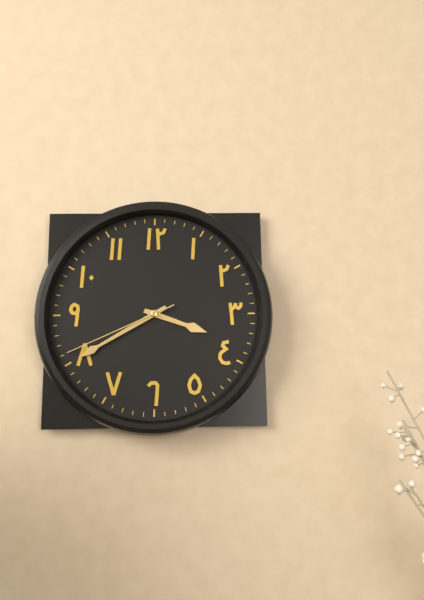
3:40:41
